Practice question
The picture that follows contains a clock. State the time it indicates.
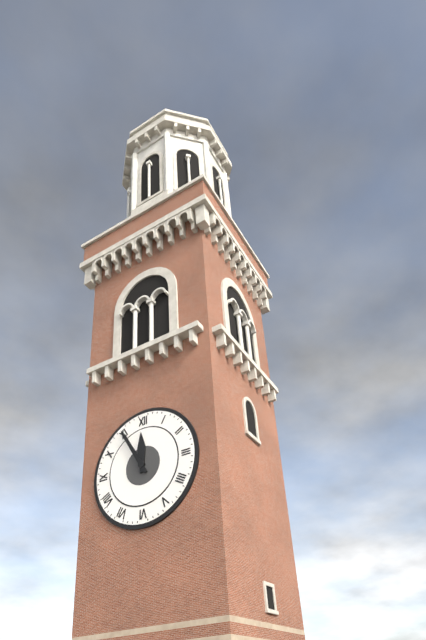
11:55
